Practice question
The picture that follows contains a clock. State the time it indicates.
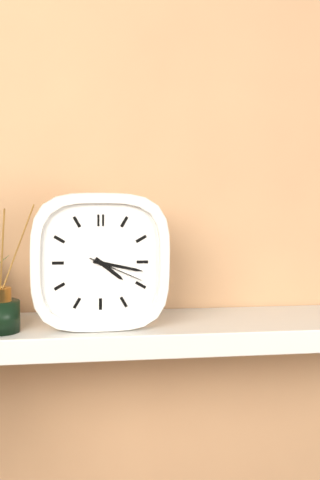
4:17:19
